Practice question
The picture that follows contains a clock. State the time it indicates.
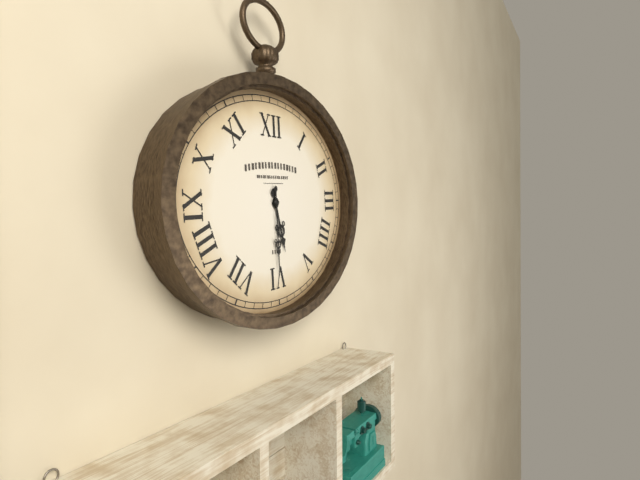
5:30
